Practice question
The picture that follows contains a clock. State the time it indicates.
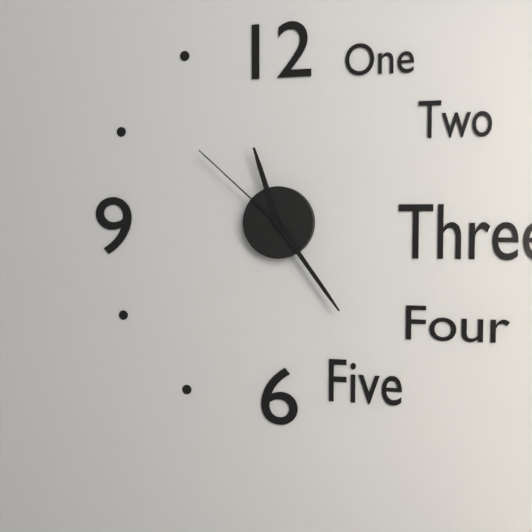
11:24:52
